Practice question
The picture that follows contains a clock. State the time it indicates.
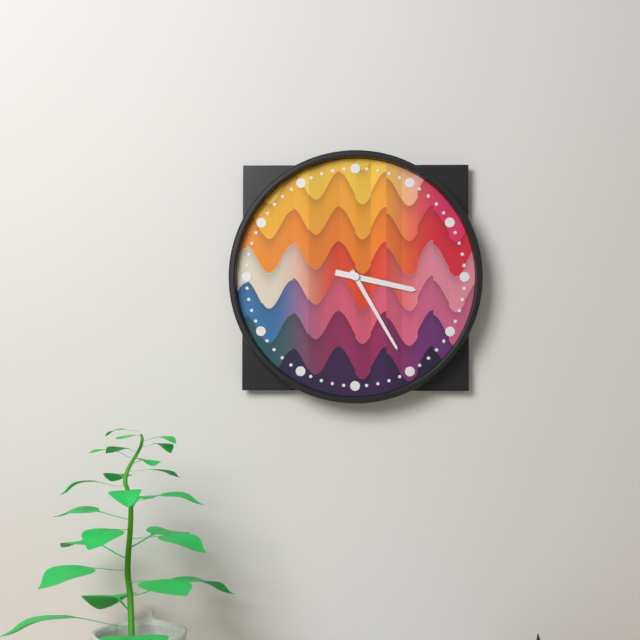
3:25
